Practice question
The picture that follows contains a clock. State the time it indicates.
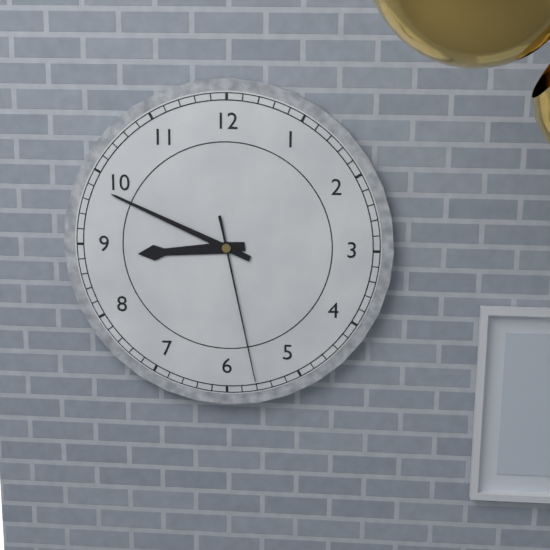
8:49:28
